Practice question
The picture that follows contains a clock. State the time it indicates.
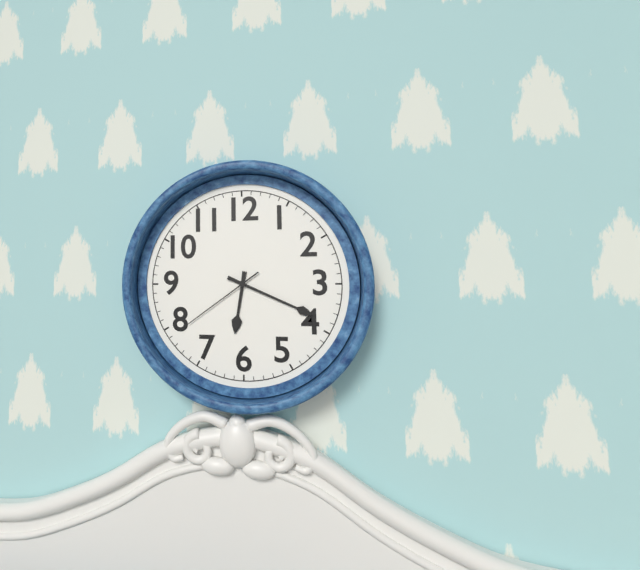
6:19:39
